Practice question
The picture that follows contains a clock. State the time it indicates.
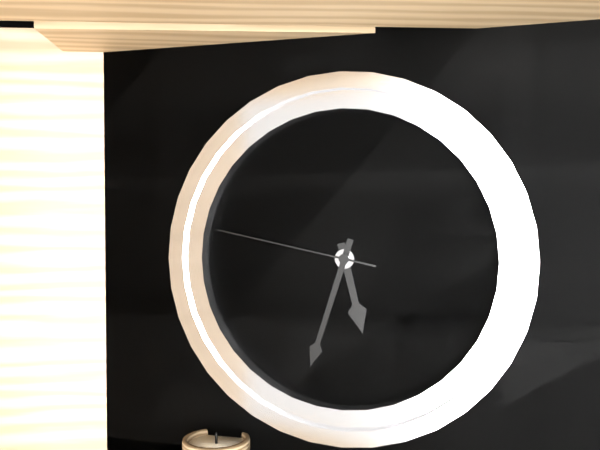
5:33:47
